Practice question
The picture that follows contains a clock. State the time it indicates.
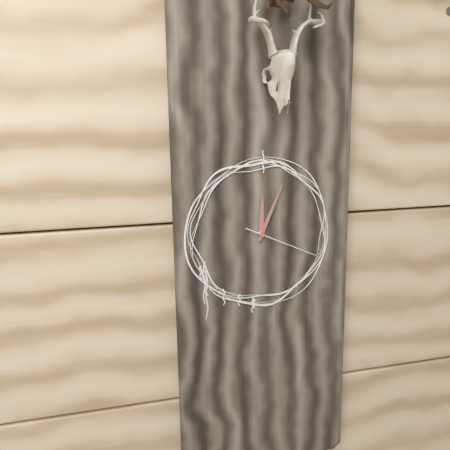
12:04:19
